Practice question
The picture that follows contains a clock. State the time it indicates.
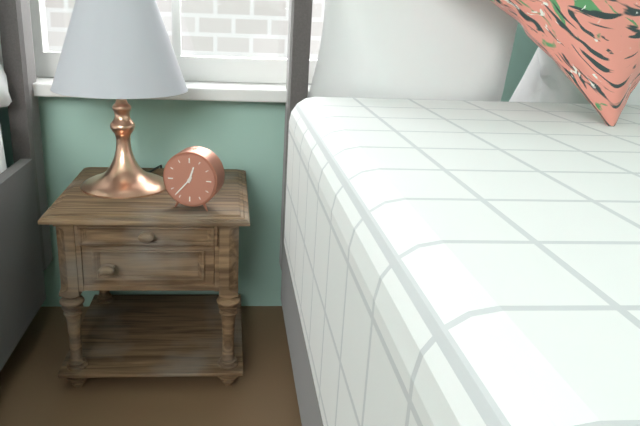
12:37
